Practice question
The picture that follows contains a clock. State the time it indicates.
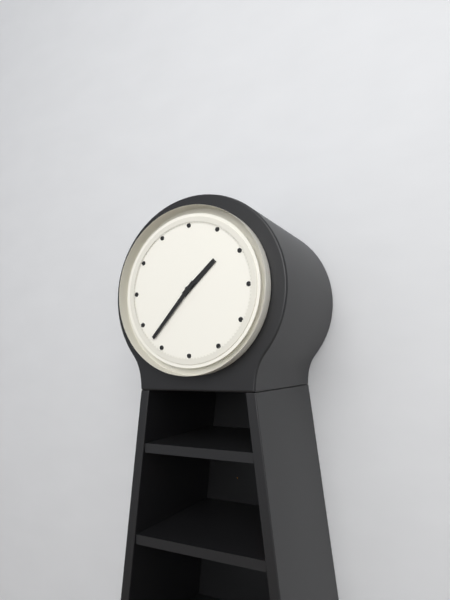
1:37
